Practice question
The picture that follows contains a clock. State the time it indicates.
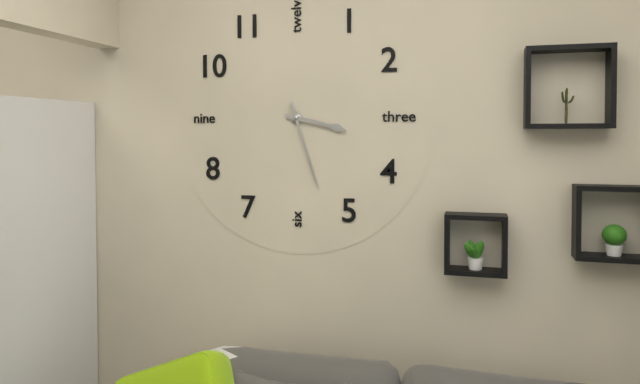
3:27
